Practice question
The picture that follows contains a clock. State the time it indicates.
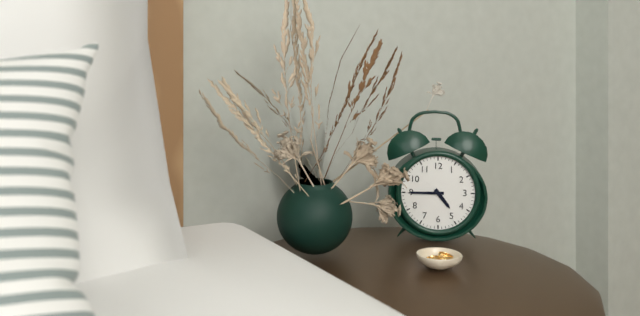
4:45
